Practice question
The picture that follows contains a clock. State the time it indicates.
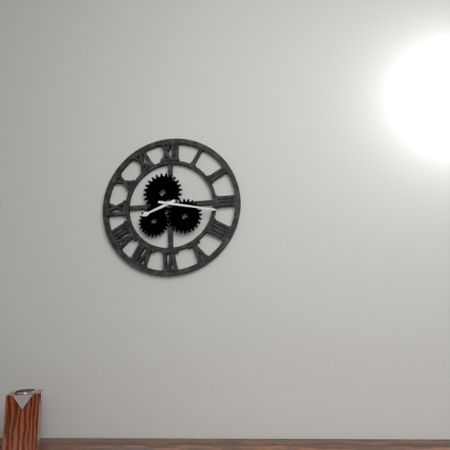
8:17
